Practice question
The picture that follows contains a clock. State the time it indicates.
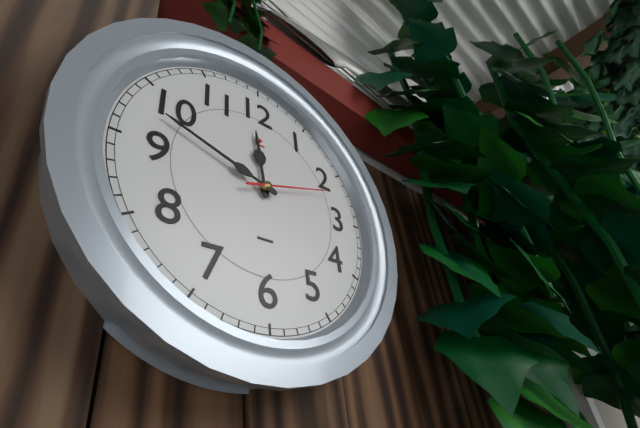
11:48:12
